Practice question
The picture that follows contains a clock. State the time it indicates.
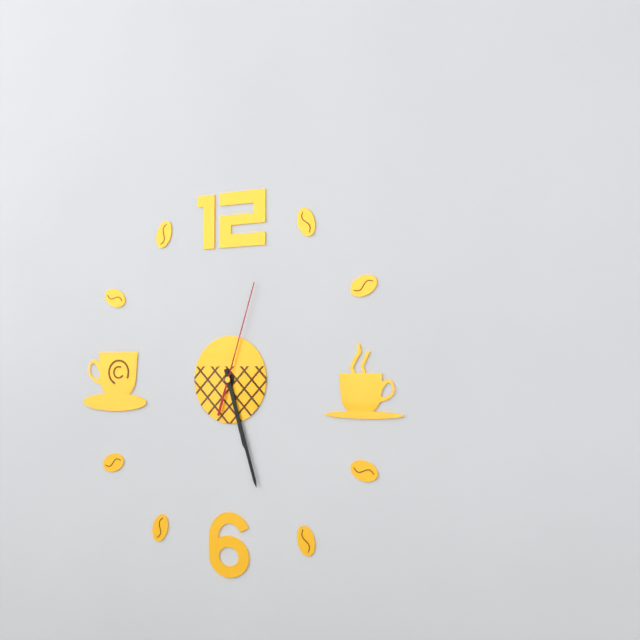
5:27:03
